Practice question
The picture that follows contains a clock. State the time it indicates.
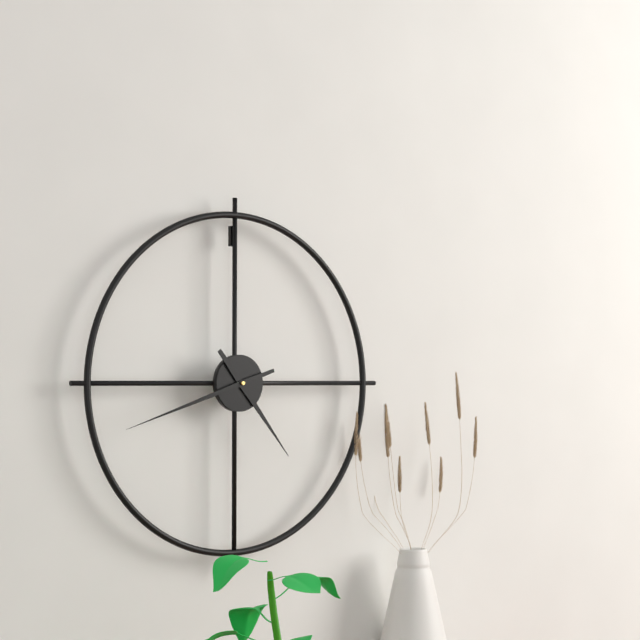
4:42
